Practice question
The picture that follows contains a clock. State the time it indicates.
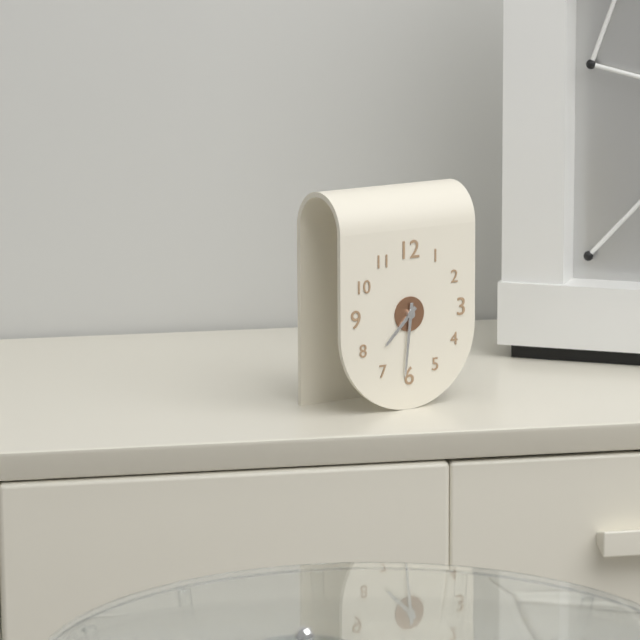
7:31
